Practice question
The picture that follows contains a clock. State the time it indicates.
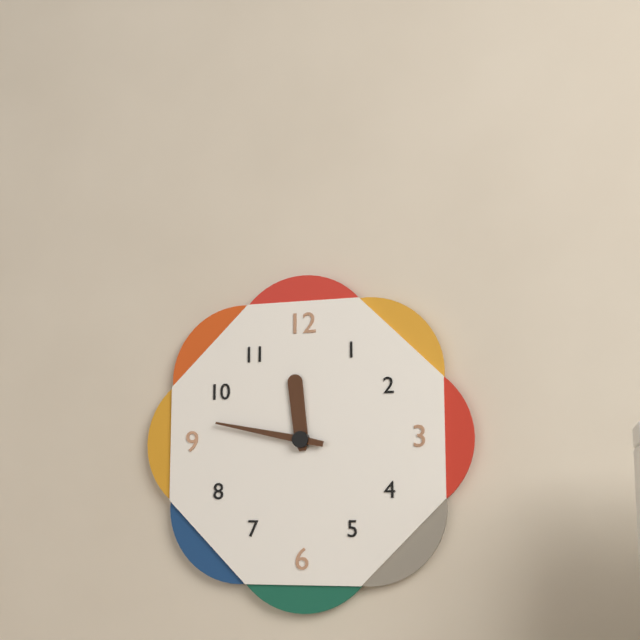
11:47
